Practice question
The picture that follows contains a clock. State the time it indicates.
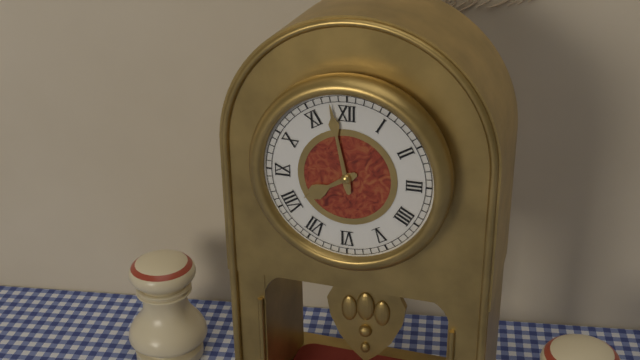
7:58
